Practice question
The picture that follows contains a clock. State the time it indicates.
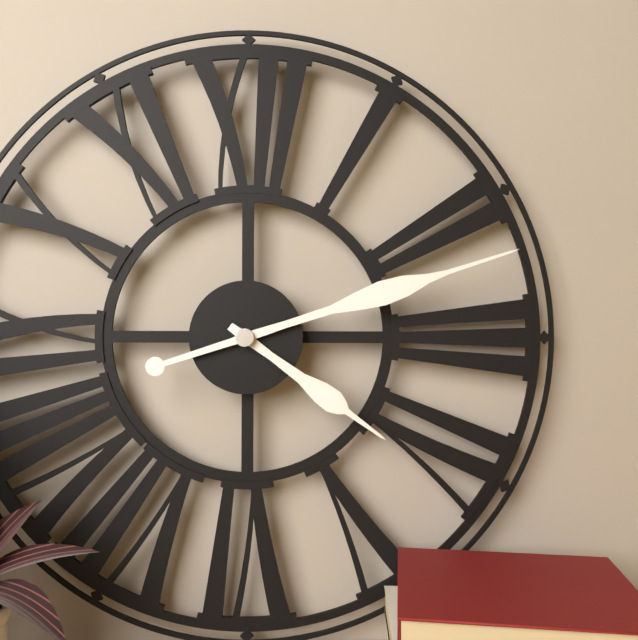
4:12
